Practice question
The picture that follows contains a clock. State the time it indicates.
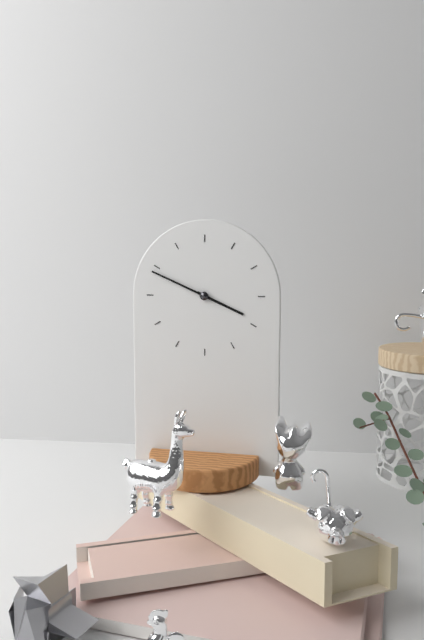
3:49
